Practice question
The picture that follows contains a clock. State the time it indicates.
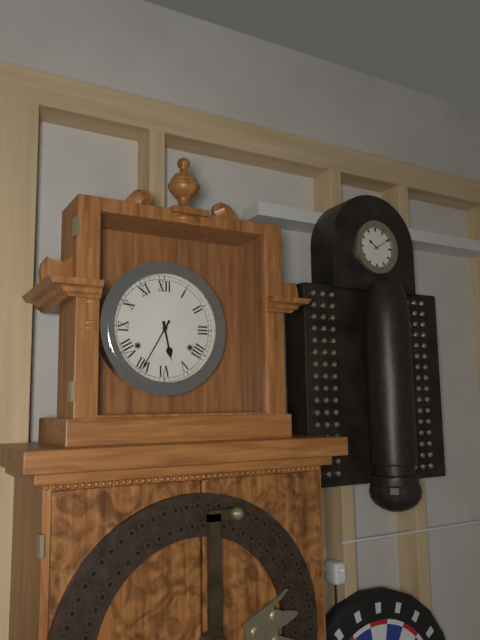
5:35
